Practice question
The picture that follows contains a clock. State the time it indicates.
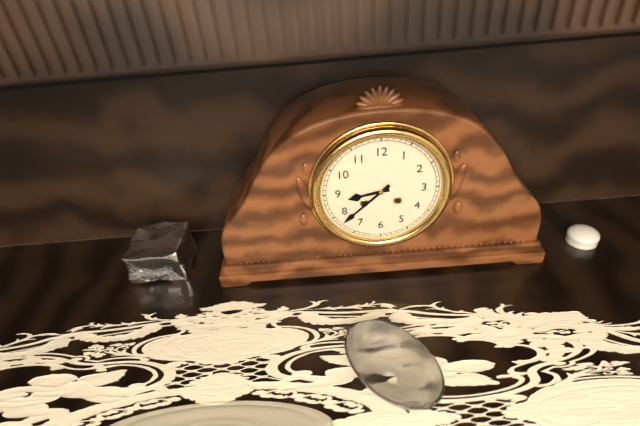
8:38
